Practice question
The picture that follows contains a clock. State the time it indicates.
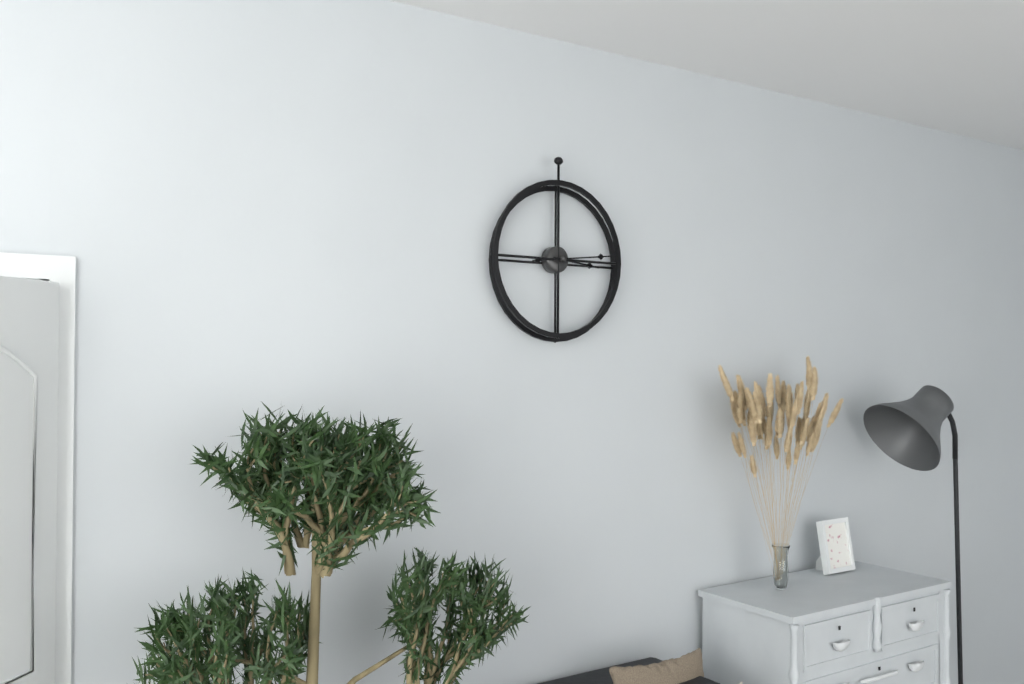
3:14
